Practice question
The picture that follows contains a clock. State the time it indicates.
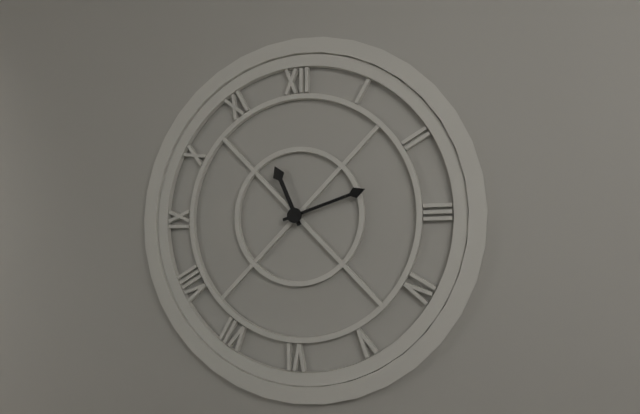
11:12
